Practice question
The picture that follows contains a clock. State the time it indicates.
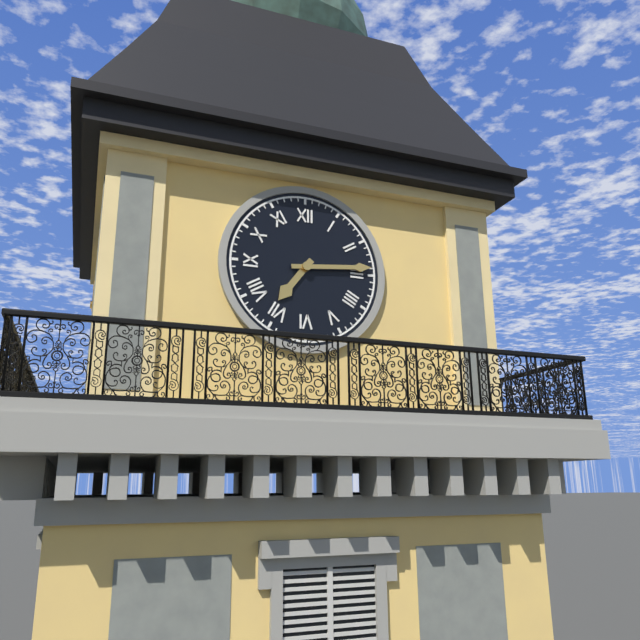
7:14
